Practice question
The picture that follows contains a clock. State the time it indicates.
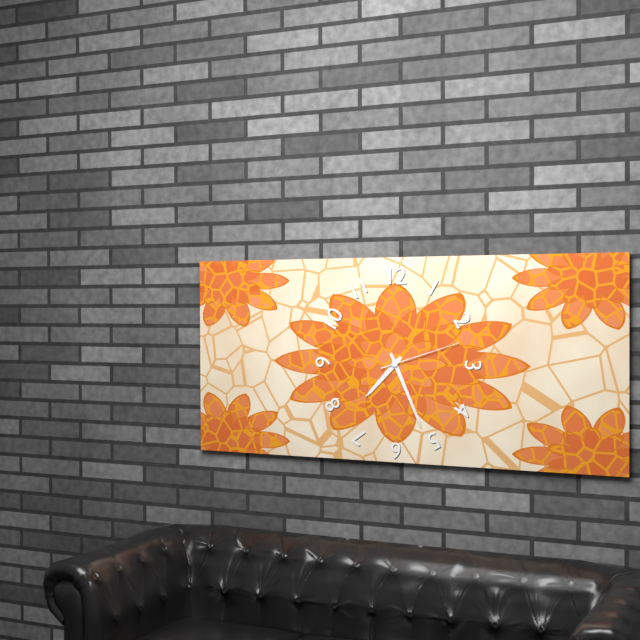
7:26:12
